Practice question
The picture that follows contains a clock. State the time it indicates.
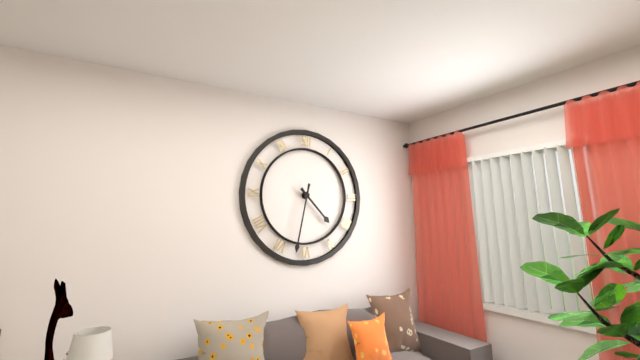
4:32
